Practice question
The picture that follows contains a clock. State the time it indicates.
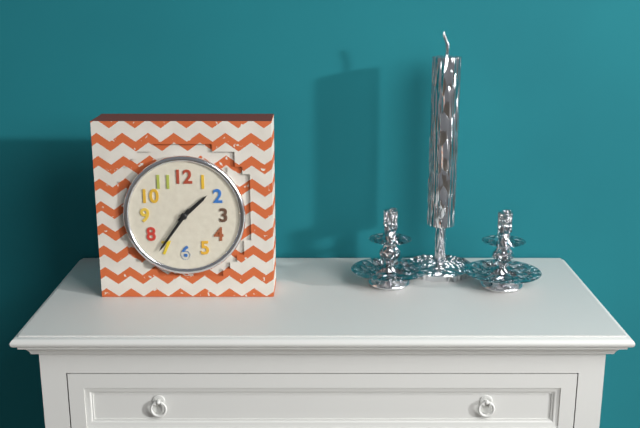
1:36
